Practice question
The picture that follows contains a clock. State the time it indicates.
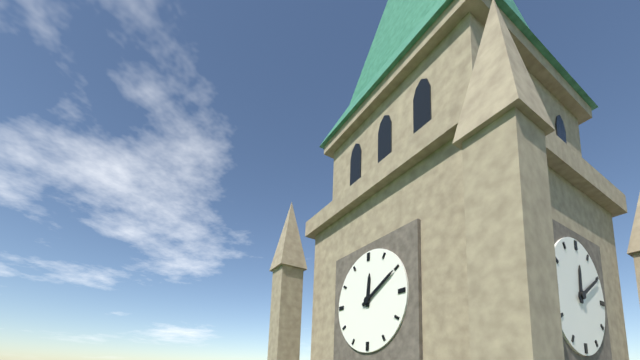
12:10
